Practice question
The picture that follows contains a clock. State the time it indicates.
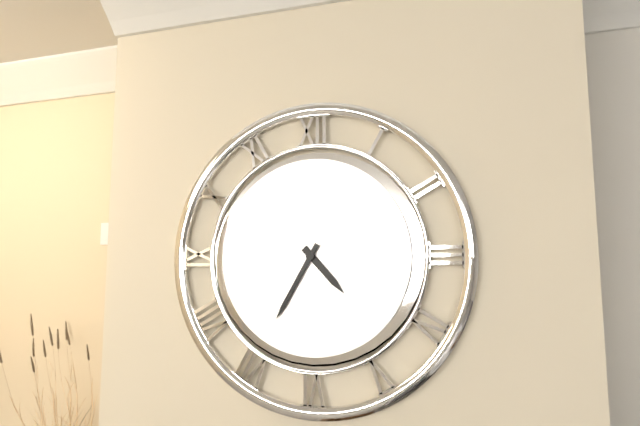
4:35
